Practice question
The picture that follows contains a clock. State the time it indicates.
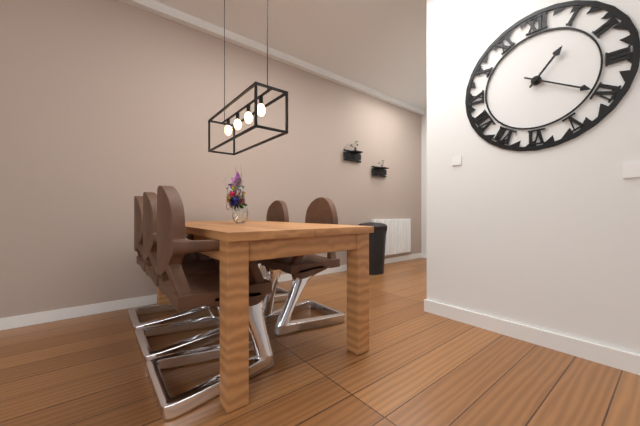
1:20
